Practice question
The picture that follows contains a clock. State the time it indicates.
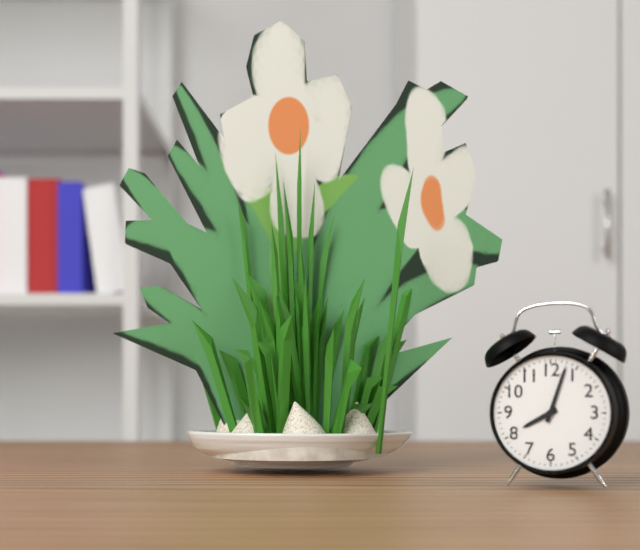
8:03
